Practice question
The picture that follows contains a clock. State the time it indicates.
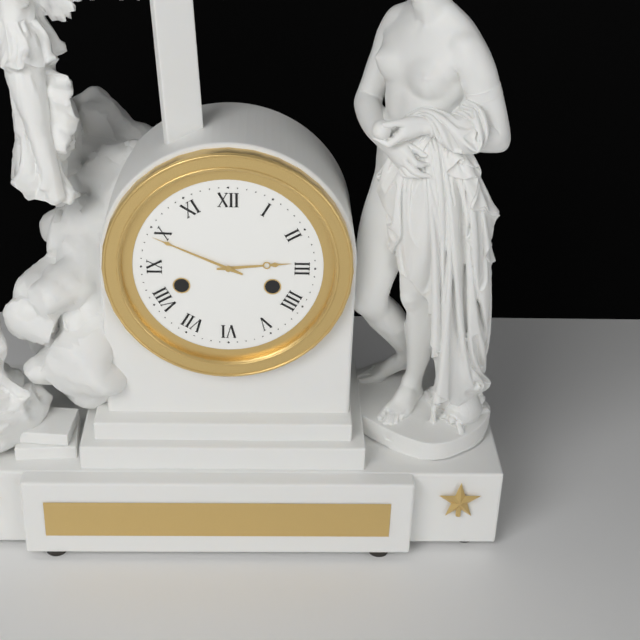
2:49
